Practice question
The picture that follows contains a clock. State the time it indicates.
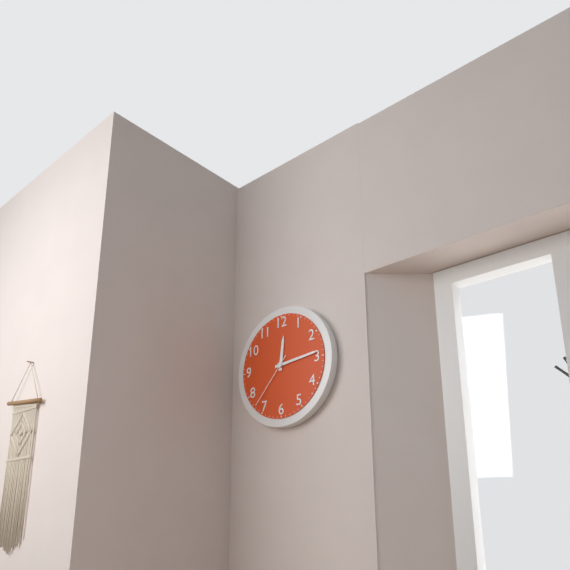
12:14:37
